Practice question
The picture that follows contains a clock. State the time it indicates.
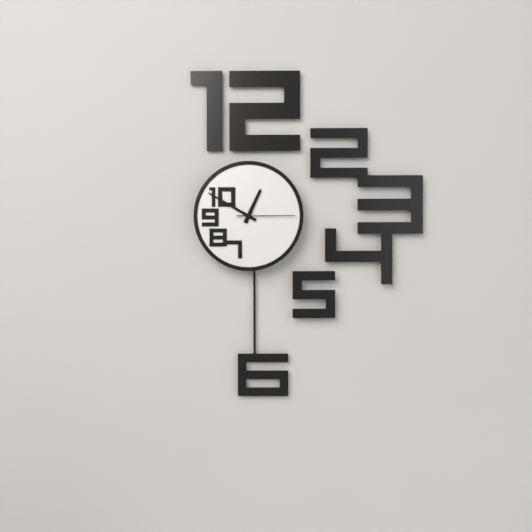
12:50:15
